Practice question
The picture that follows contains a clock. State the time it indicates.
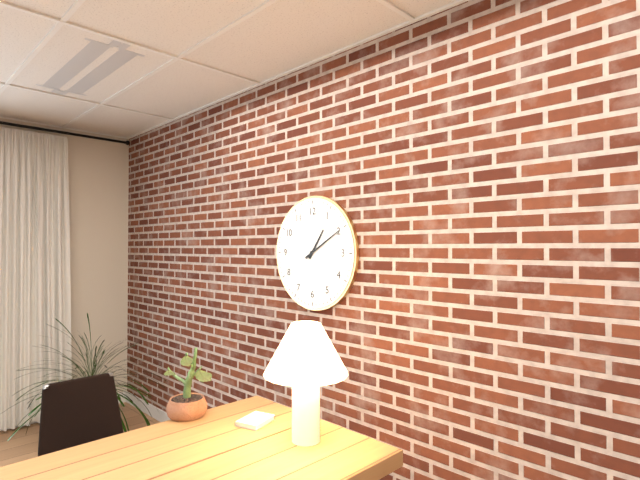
1:10
